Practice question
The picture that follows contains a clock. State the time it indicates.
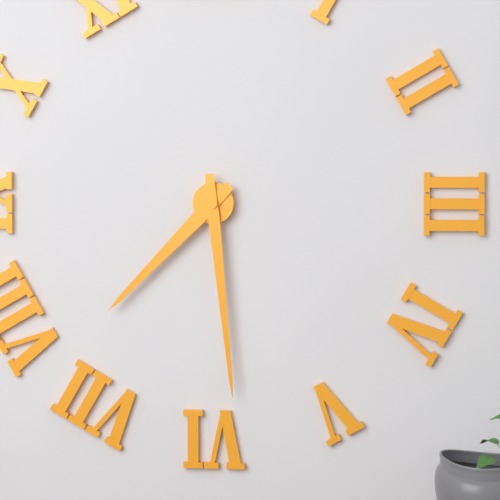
7:29
